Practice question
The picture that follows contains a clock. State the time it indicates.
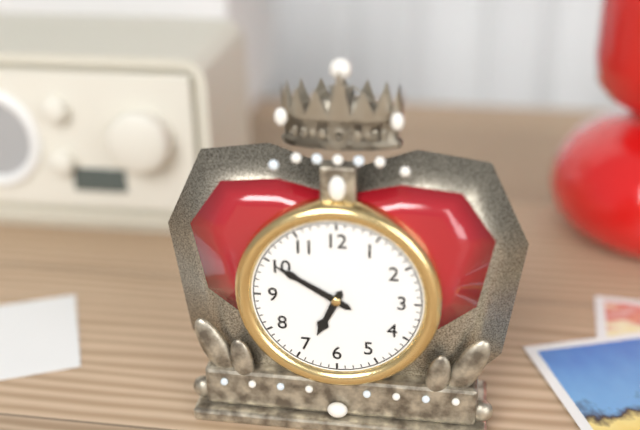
6:50
